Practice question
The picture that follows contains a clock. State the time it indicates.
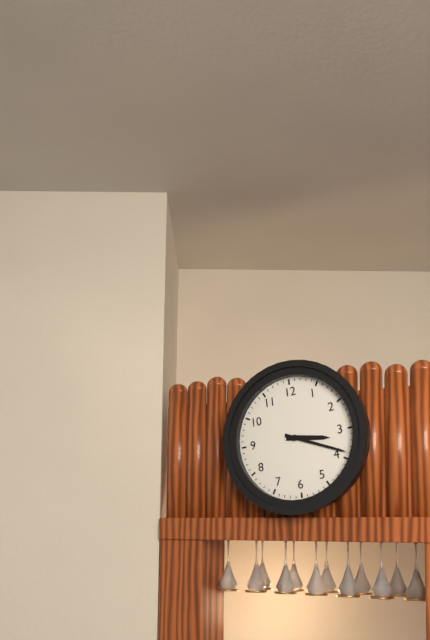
3:19
